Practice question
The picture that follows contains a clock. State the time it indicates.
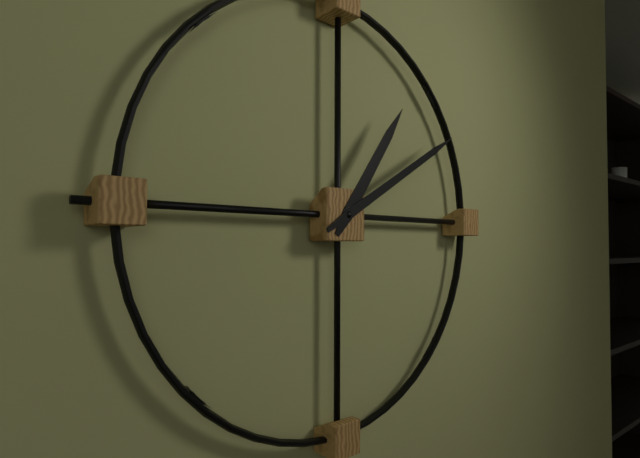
1:10
